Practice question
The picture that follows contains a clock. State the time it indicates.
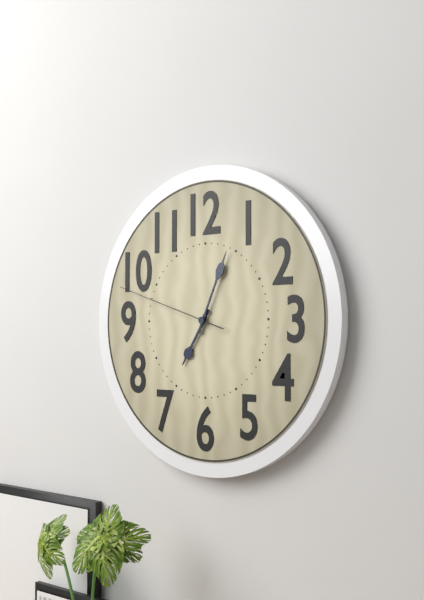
7:04:48
